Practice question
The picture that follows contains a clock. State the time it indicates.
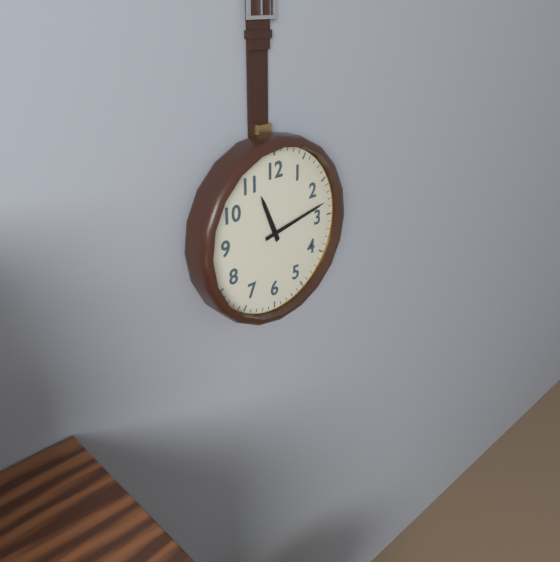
11:13
